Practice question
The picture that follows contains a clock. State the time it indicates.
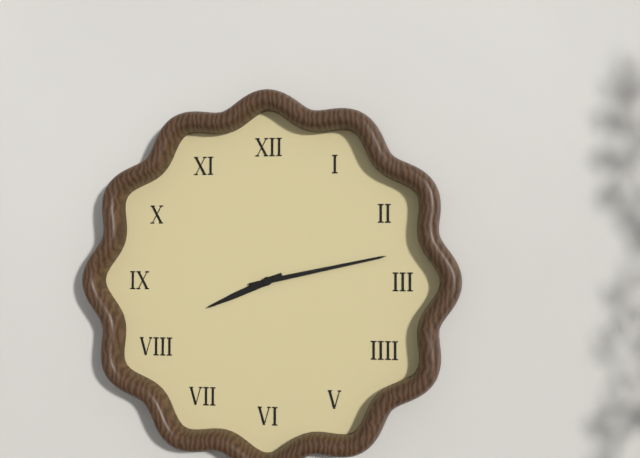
8:13
